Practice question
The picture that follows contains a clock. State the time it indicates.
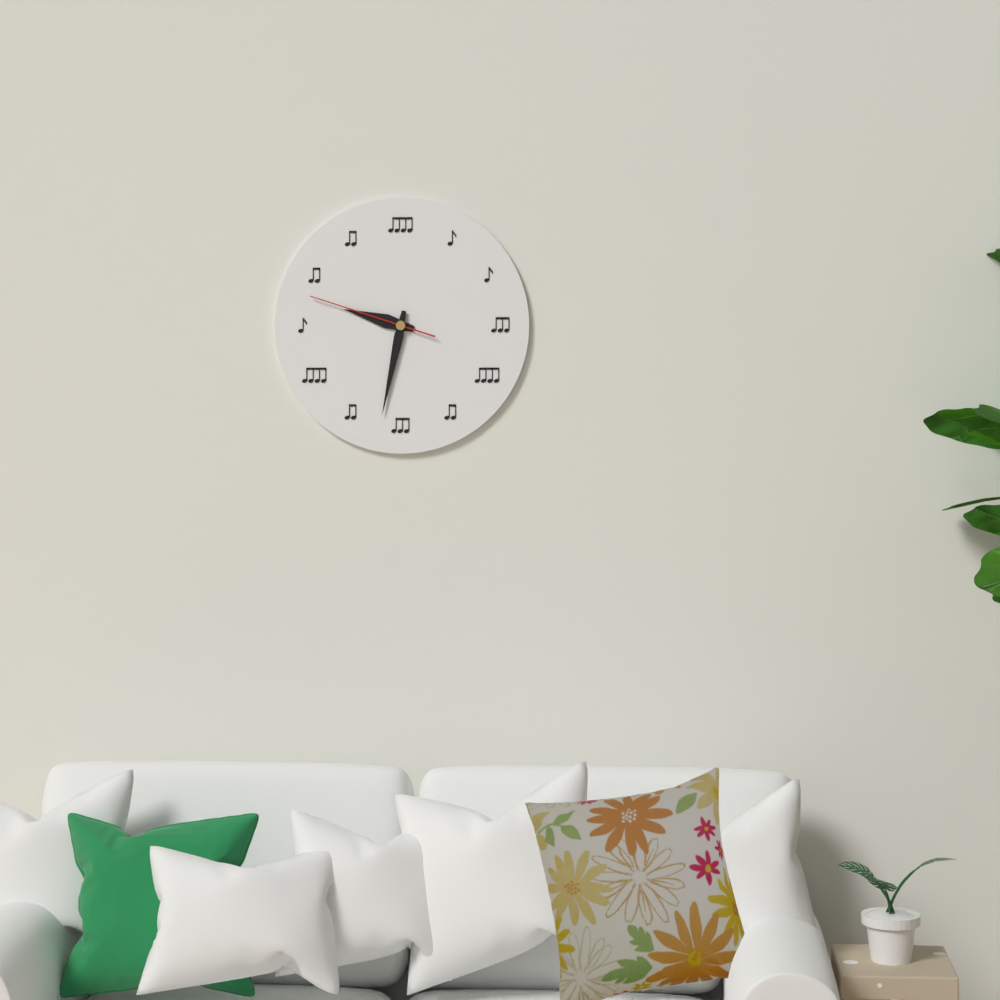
9:32:48
